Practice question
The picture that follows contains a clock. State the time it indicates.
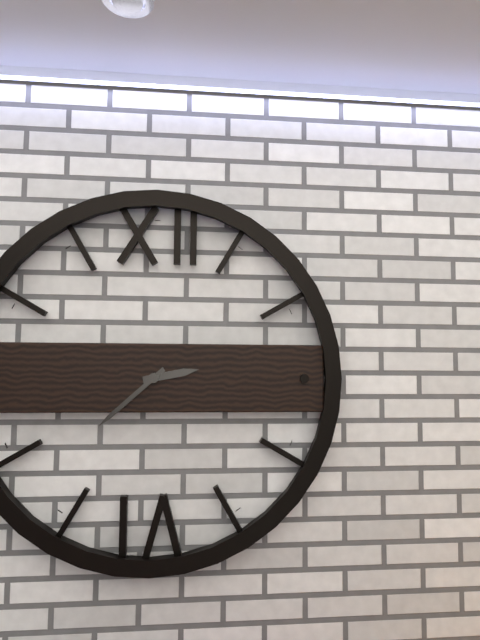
2:38
